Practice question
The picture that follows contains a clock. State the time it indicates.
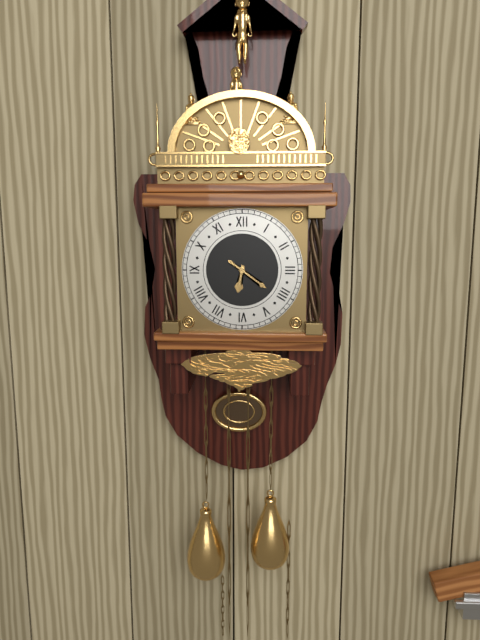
6:21
